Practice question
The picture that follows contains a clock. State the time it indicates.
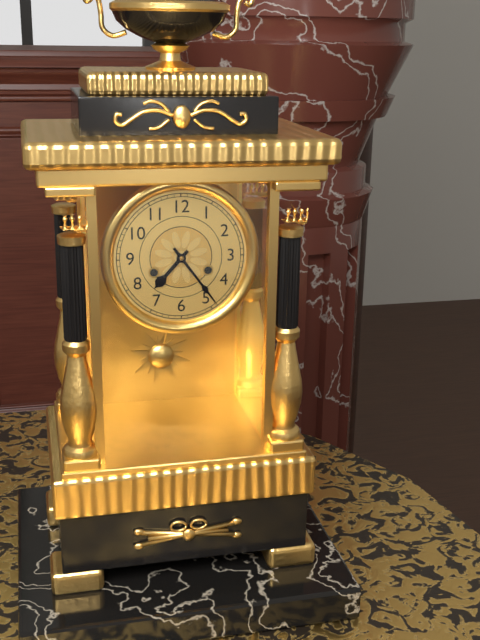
7:24
